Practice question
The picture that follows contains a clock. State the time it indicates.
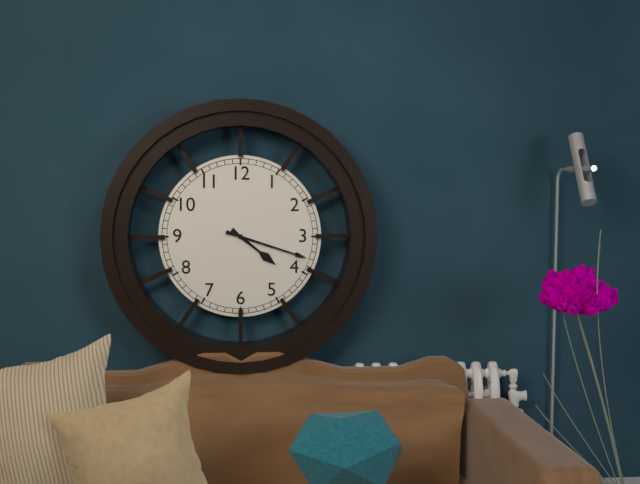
4:18
